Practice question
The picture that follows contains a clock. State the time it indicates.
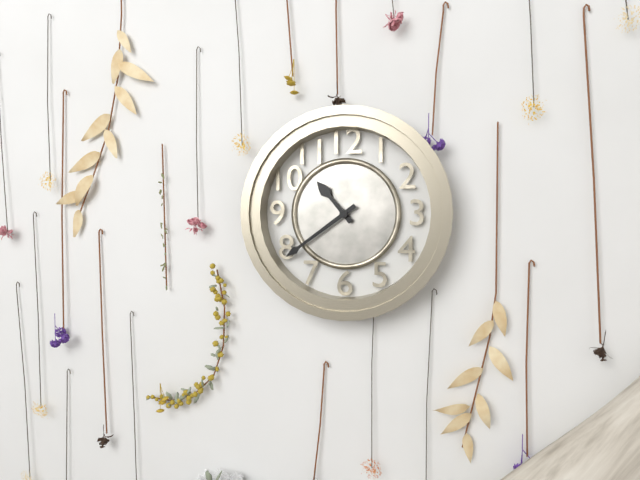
10:39
